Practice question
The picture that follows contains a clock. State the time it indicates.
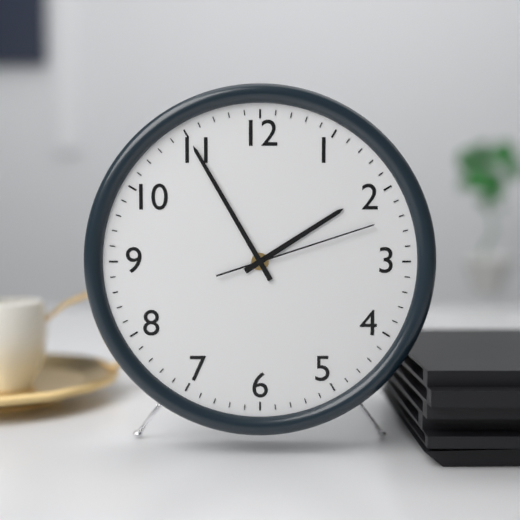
1:55:12
